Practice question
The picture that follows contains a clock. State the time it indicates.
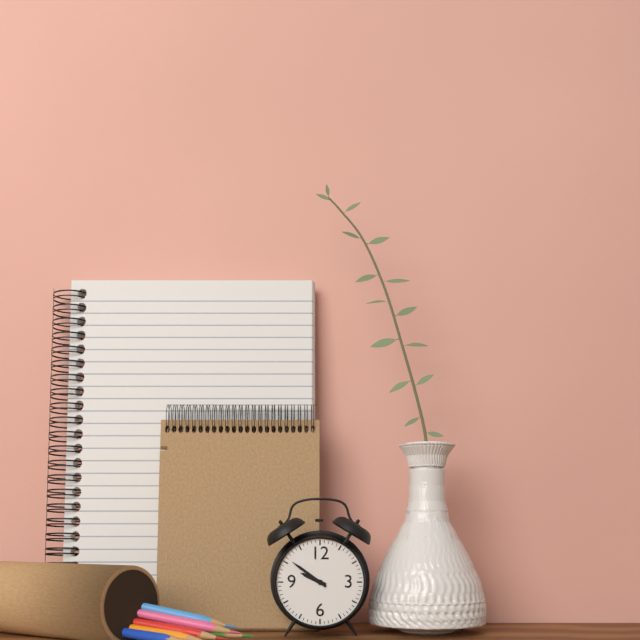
9:51
